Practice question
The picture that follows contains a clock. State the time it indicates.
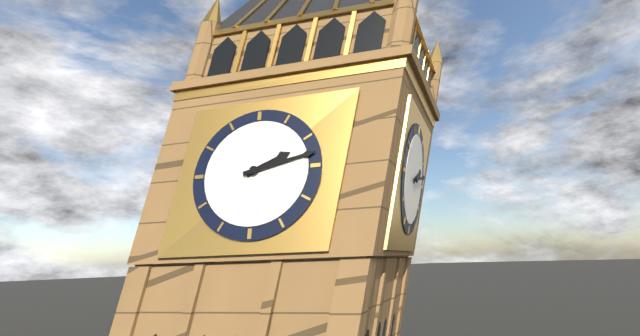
2:13
